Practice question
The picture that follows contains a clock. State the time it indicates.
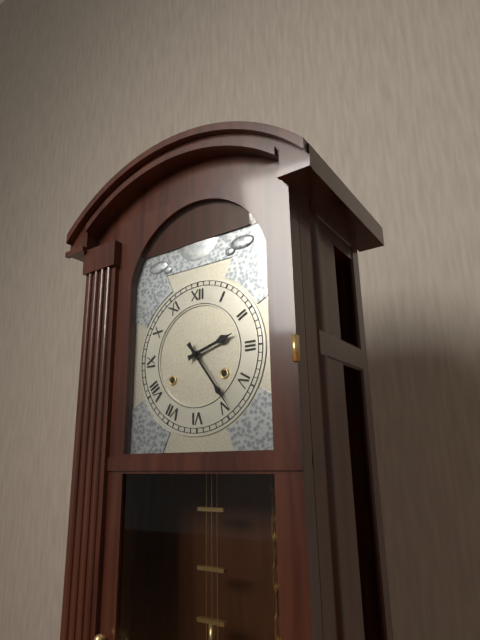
2:24
